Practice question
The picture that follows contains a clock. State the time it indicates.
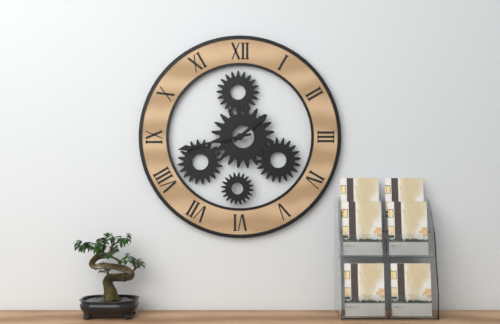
1:43
